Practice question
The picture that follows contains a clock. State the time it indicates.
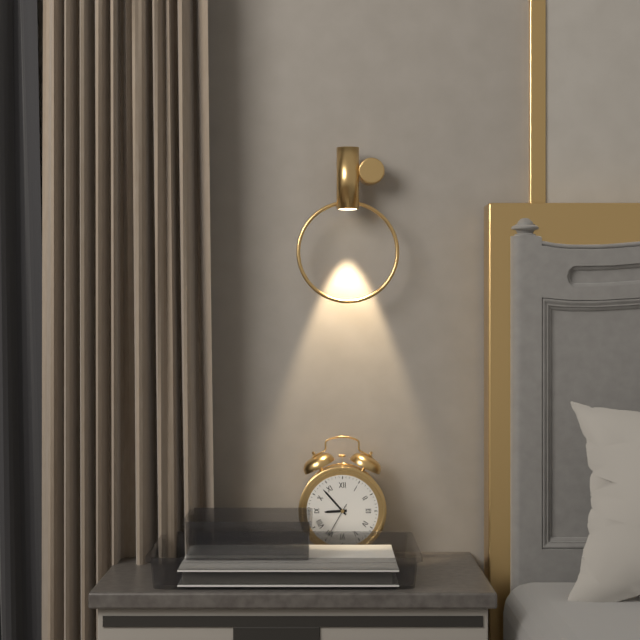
8:53
